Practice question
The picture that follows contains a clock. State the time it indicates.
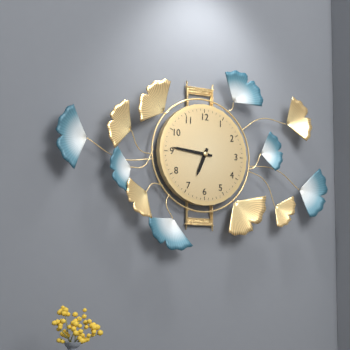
6:46
